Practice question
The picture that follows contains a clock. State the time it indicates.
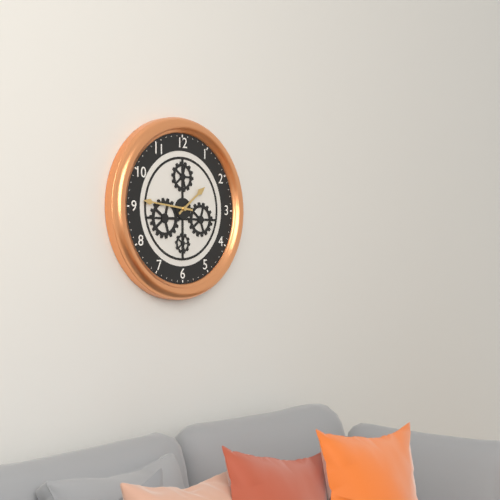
1:46
